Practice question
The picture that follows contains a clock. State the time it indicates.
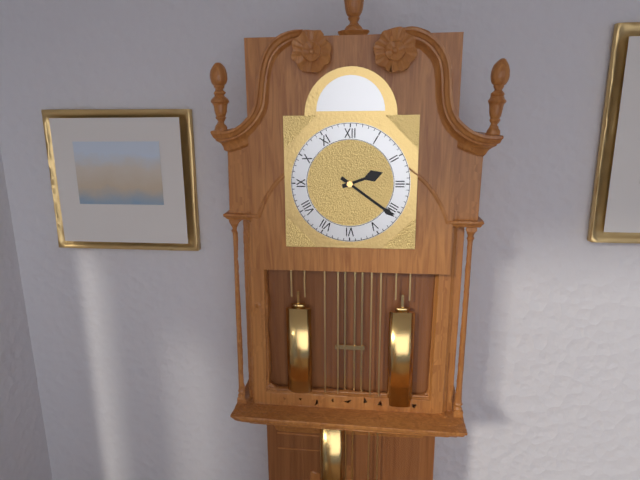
2:21
